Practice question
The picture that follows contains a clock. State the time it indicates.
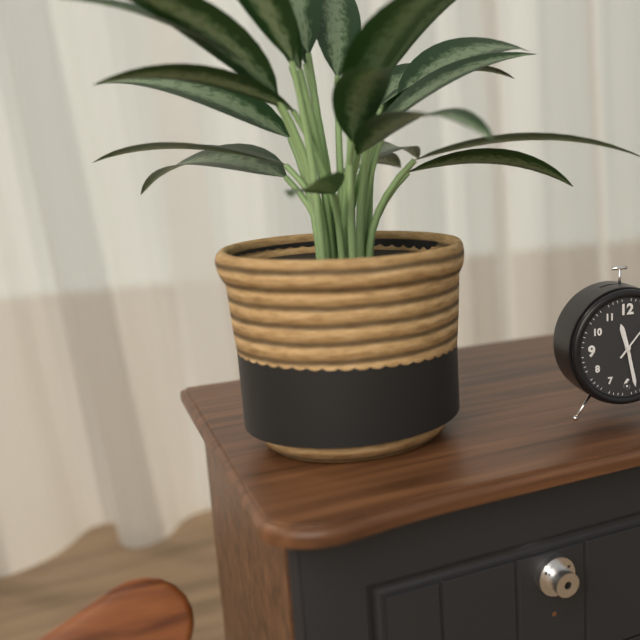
11:28
